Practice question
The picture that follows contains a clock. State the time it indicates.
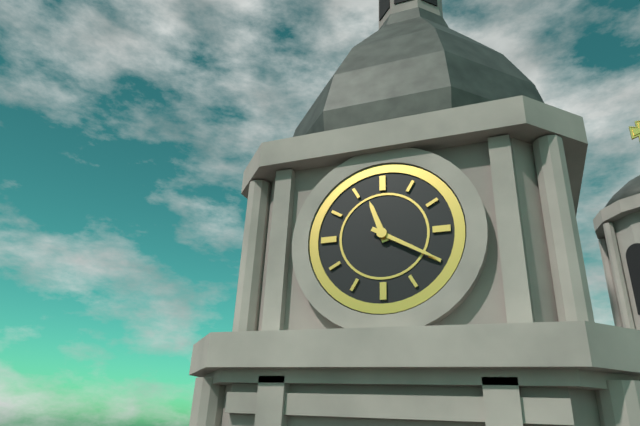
11:20
